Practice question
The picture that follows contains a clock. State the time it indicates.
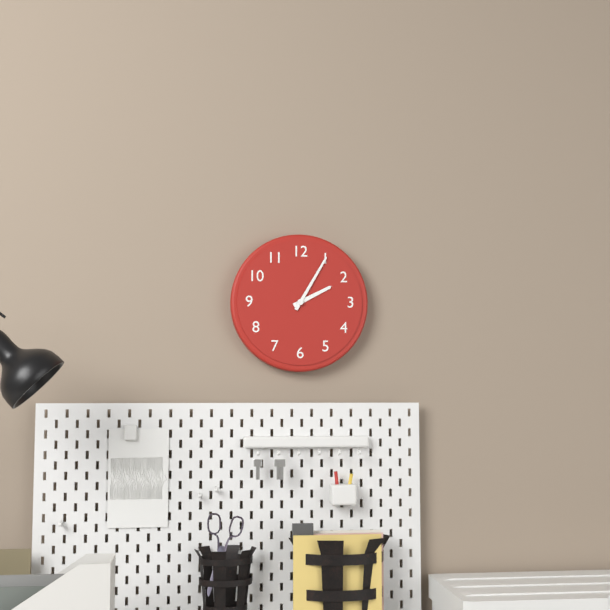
2:05
